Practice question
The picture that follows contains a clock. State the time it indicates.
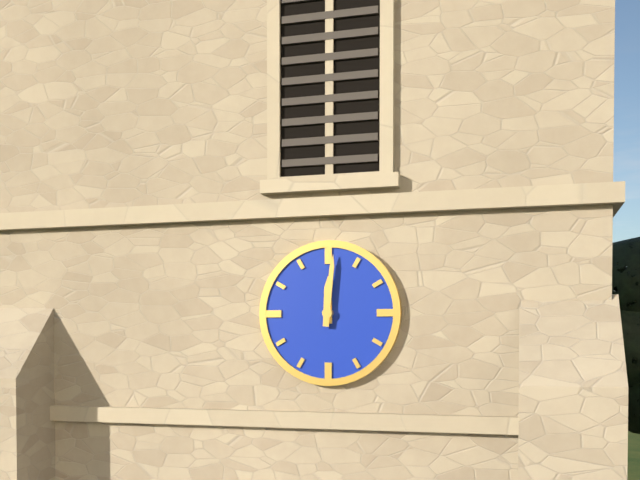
12:01
